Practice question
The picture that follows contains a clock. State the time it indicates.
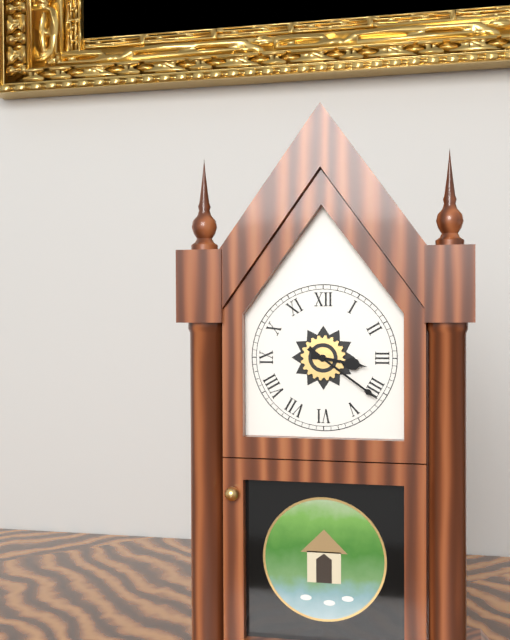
3:21
